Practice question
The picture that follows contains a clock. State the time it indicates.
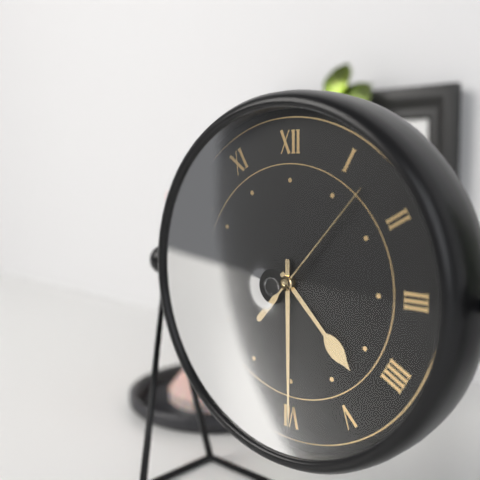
4:30:07
